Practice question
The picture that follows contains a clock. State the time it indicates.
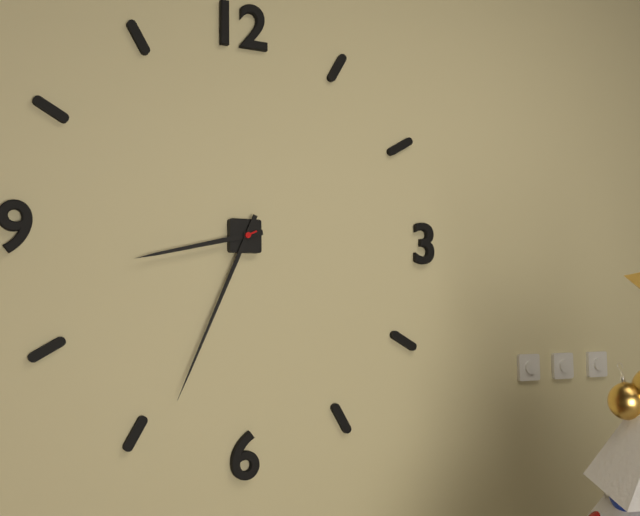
8:34
